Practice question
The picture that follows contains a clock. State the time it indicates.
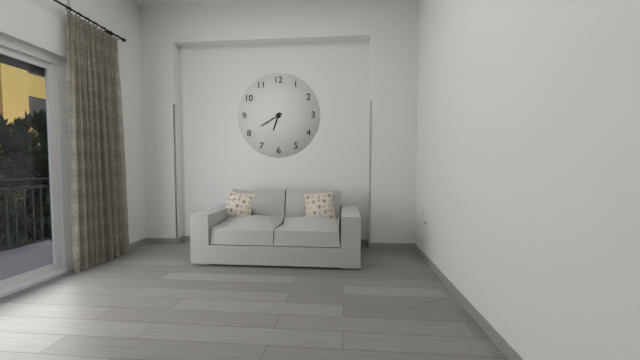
6:40
